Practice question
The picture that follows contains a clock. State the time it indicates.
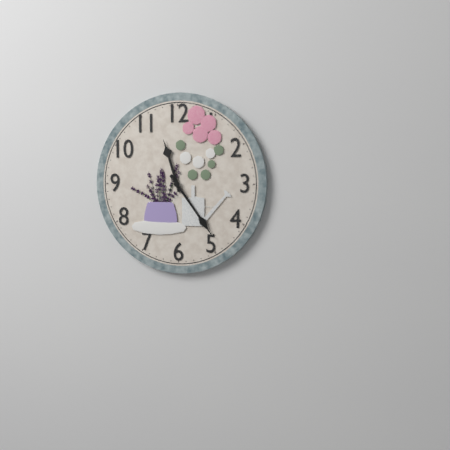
11:24
